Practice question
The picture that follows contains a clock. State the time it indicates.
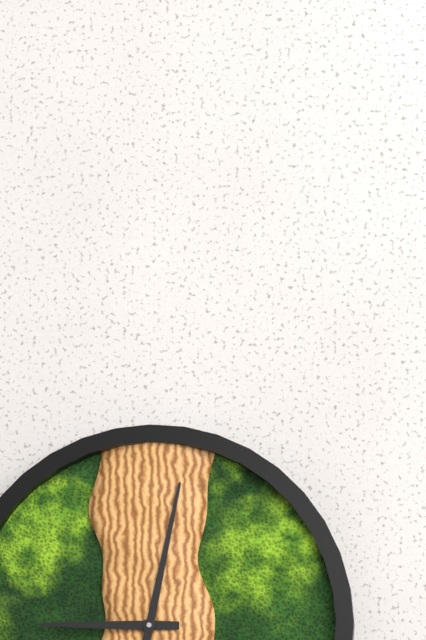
9:02
